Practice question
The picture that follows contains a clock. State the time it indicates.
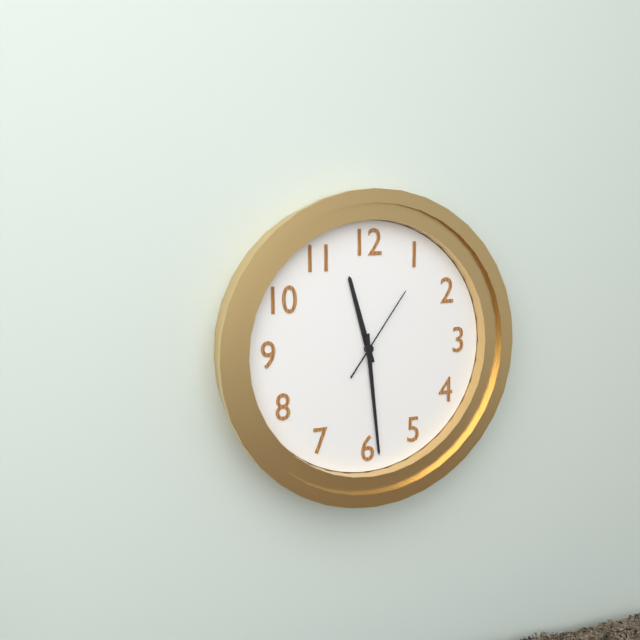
11:29:06
